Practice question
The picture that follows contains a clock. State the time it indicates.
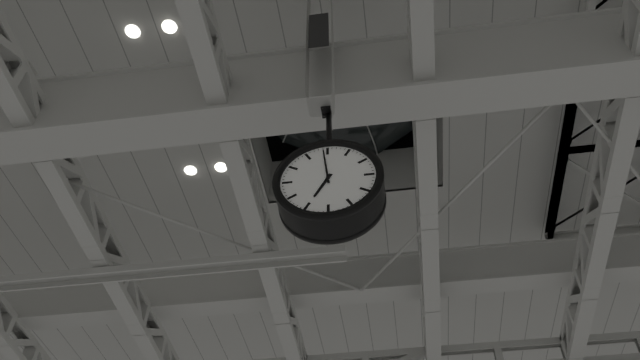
6:59
